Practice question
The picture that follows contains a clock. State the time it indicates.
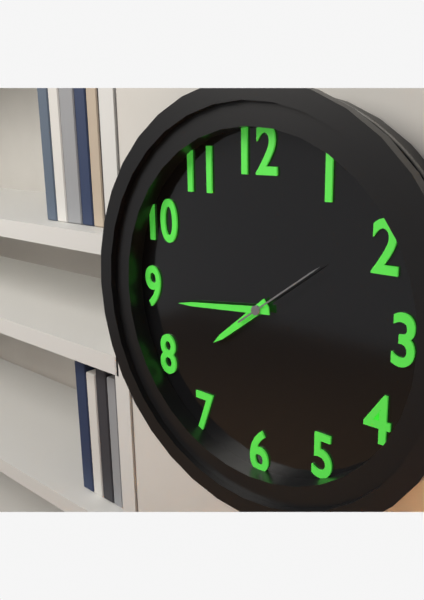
7:44:09
